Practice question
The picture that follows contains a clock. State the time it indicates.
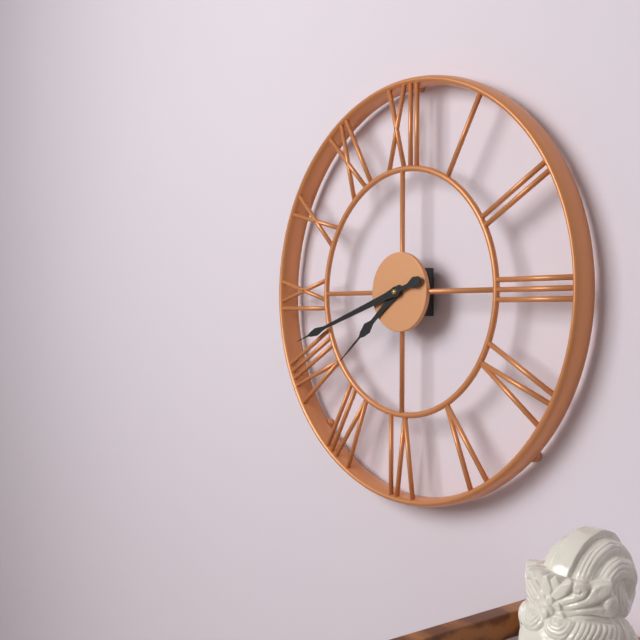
7:42
